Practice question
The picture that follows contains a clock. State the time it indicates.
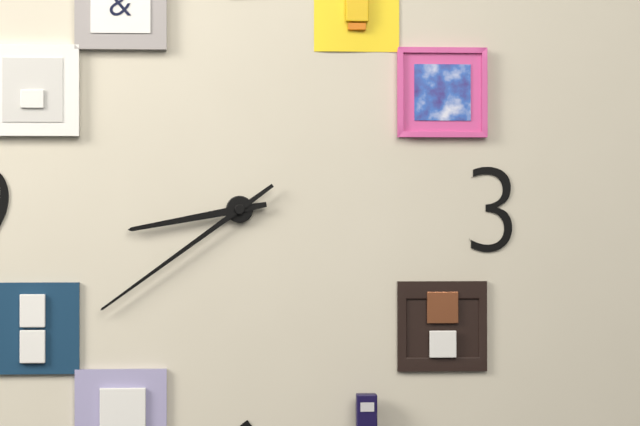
8:39
